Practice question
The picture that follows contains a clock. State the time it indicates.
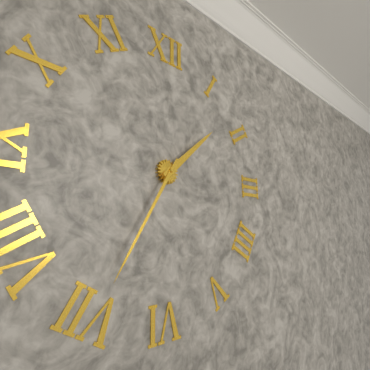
1:35
